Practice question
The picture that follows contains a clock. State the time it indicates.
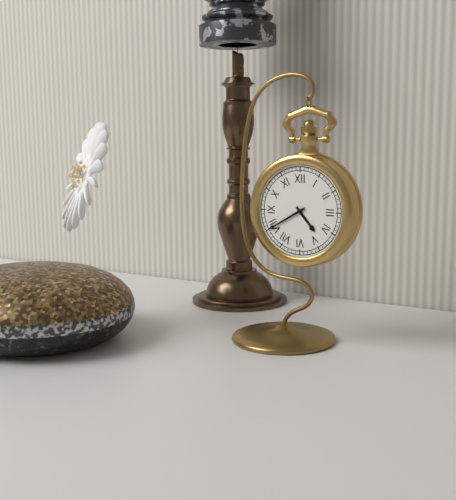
4:40
